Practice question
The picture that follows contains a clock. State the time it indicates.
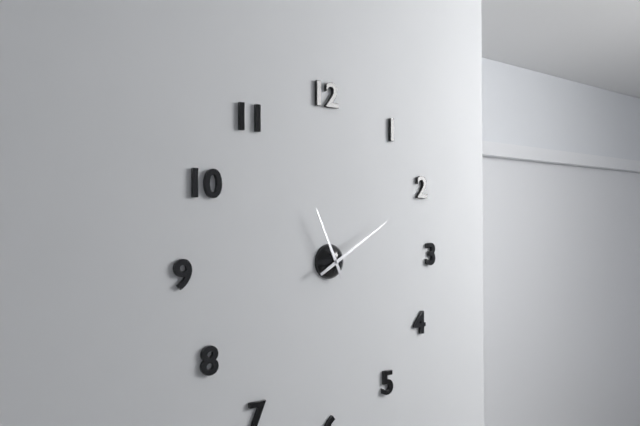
11:10
